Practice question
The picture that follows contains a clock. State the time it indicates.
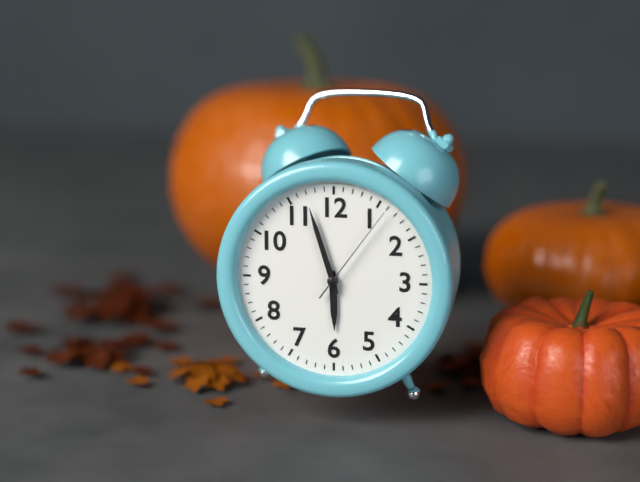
5:57:06
